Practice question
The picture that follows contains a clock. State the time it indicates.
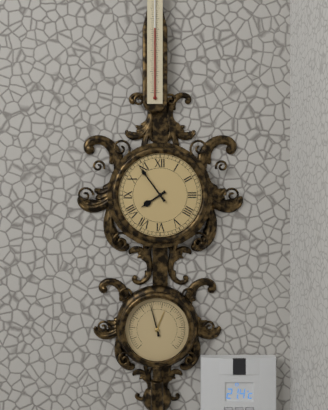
7:54
